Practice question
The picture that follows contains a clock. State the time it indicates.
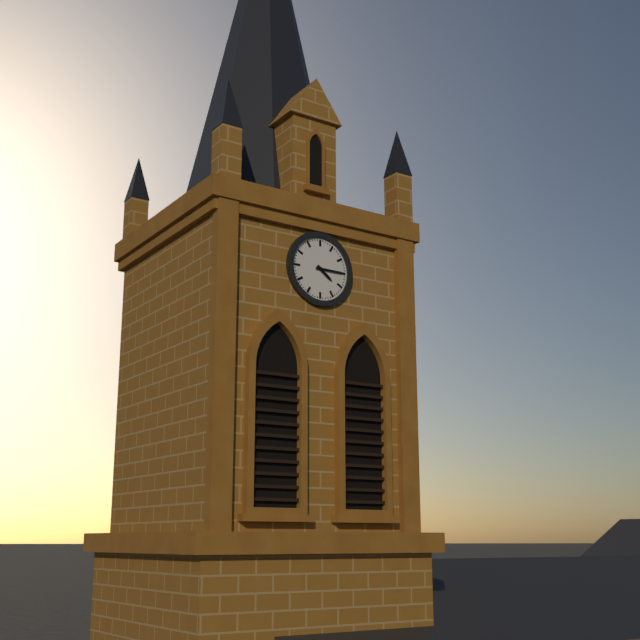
4:15
